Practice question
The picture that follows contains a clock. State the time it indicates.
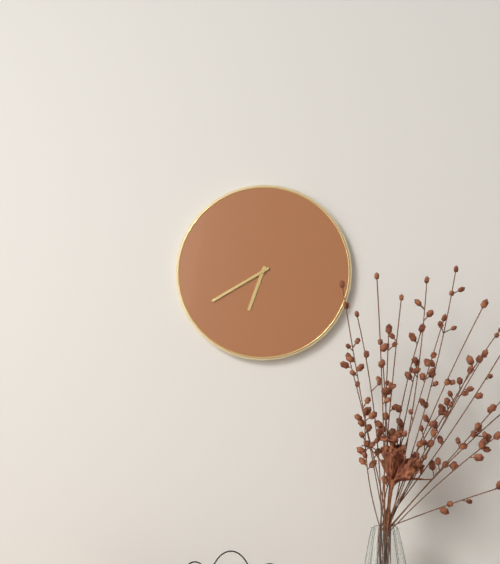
6:40
